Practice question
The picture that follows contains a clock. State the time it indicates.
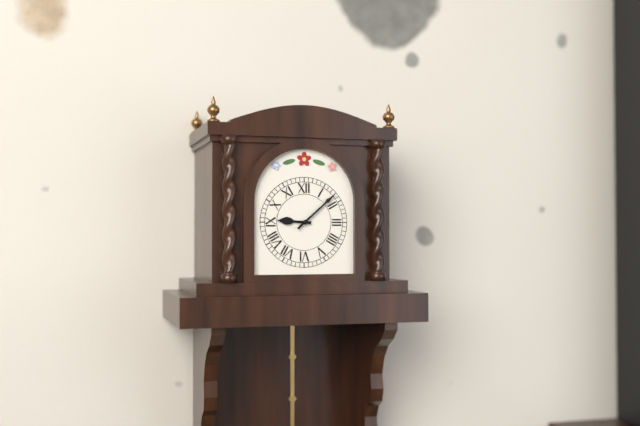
9:08
